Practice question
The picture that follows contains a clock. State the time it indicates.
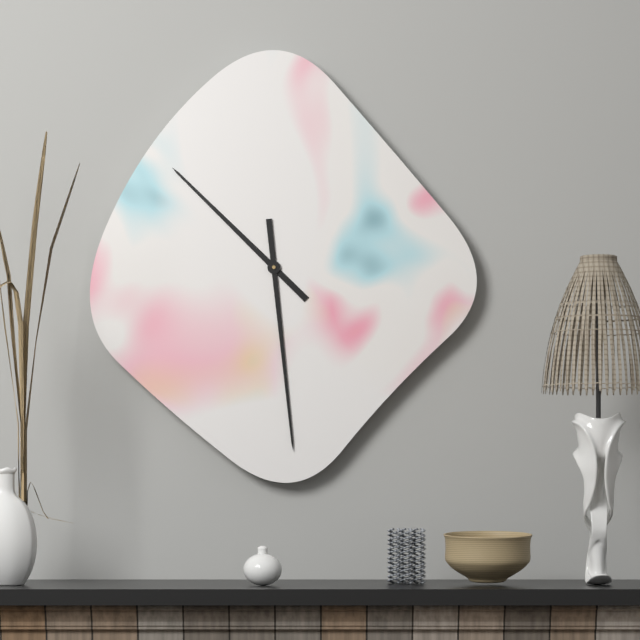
10:29
